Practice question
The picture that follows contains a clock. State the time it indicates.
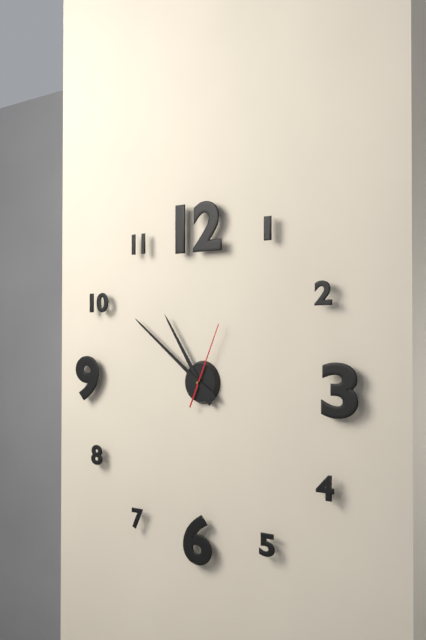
10:51:04
